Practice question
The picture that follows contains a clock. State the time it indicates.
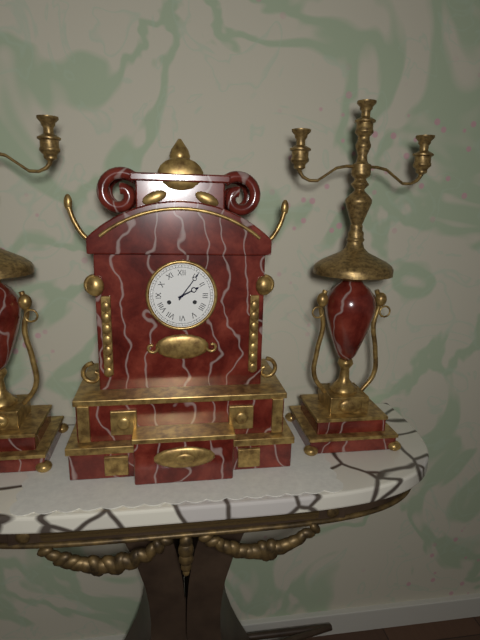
2:06
